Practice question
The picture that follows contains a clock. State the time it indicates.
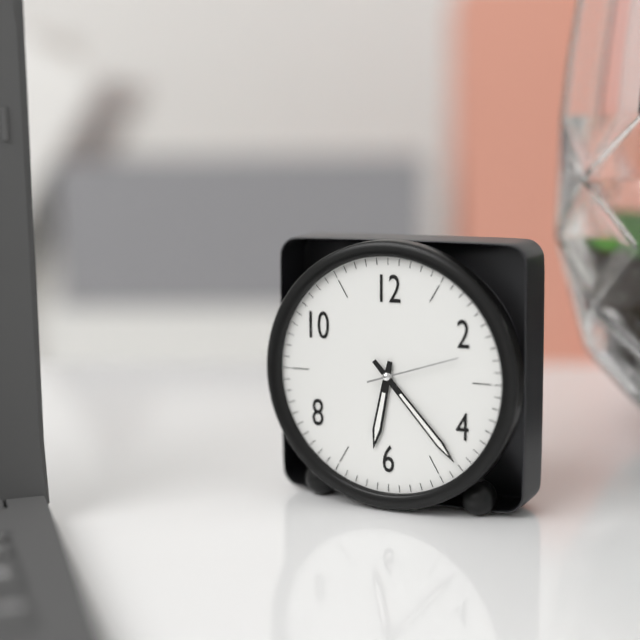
6:23:12
